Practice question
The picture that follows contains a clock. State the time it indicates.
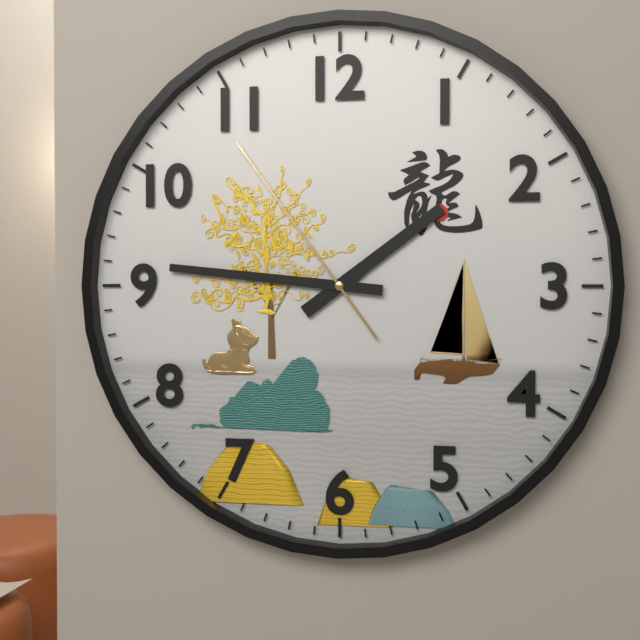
1:46:54
